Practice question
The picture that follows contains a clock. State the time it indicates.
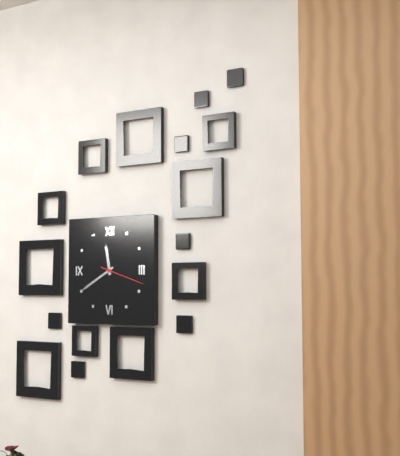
11:40
